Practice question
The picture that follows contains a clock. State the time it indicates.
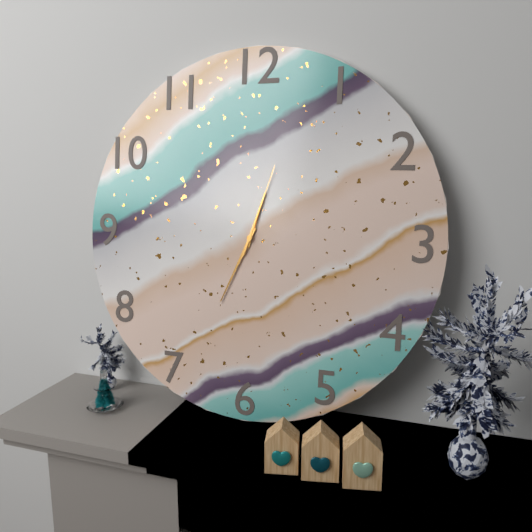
12:34:03
